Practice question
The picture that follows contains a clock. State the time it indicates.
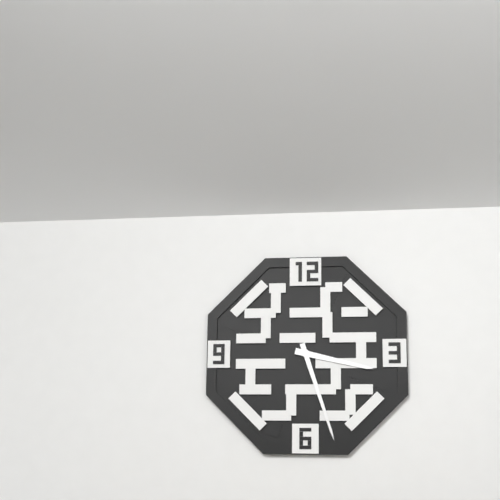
3:27
